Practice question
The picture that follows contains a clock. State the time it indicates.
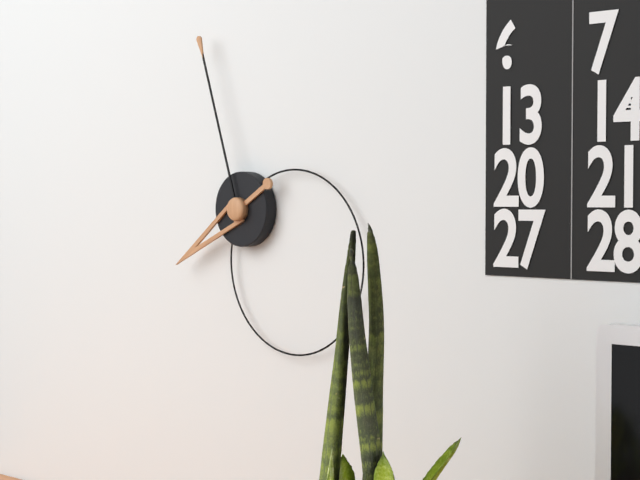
7:57
